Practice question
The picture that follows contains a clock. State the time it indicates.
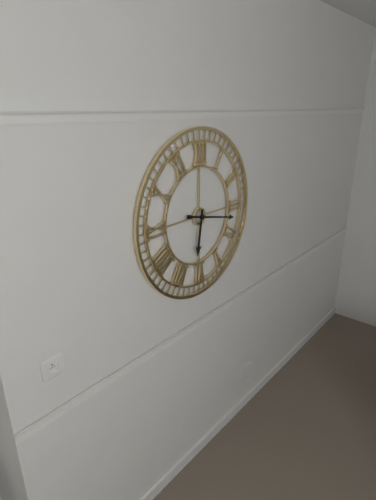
6:17
